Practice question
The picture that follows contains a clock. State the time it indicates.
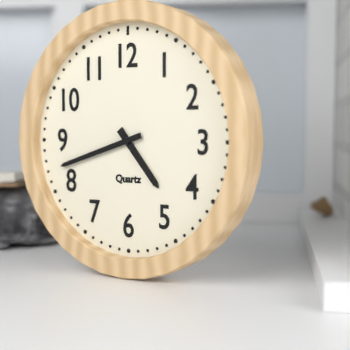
4:42
